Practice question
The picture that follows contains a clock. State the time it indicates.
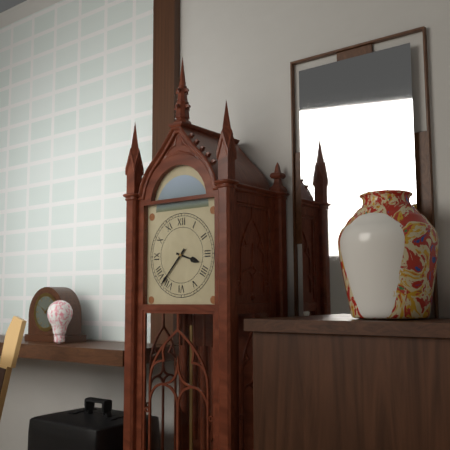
3:37
